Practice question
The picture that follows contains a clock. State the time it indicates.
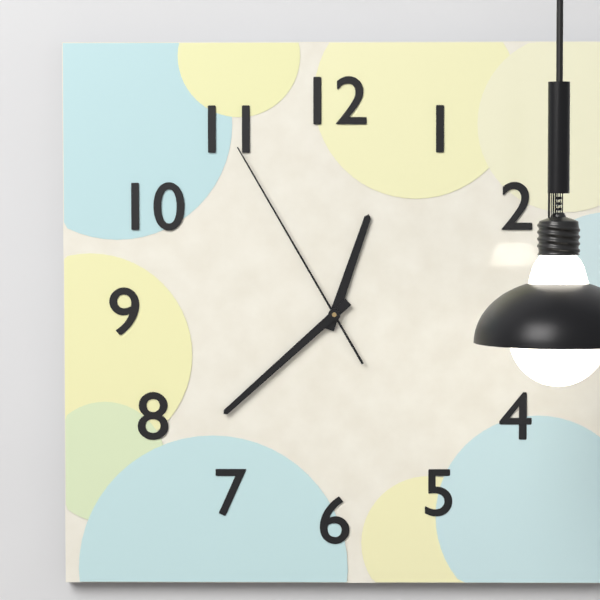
12:38:55
